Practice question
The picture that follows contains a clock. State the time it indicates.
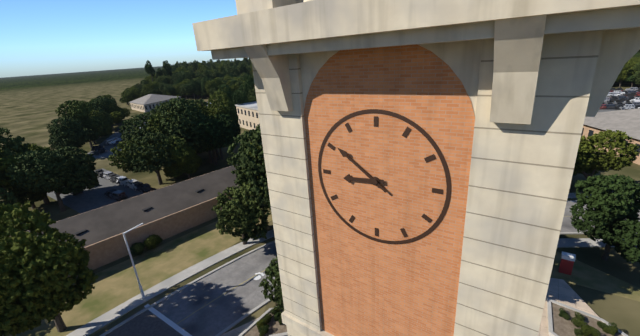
8:51
